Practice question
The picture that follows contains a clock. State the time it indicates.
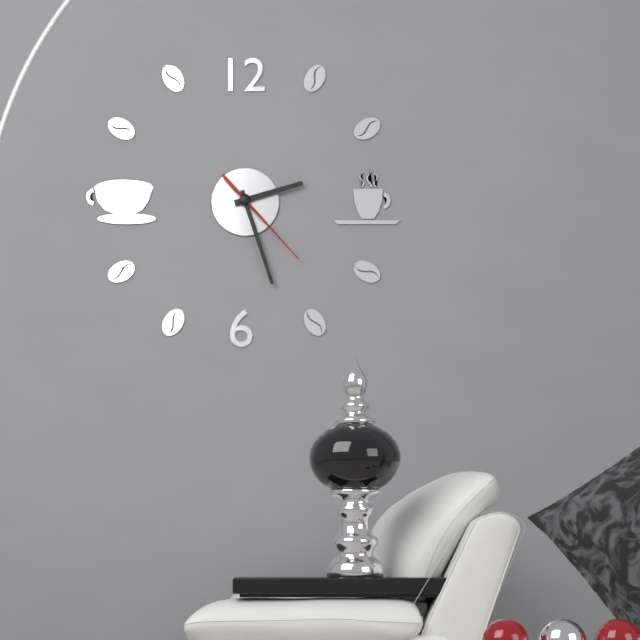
2:27:23
